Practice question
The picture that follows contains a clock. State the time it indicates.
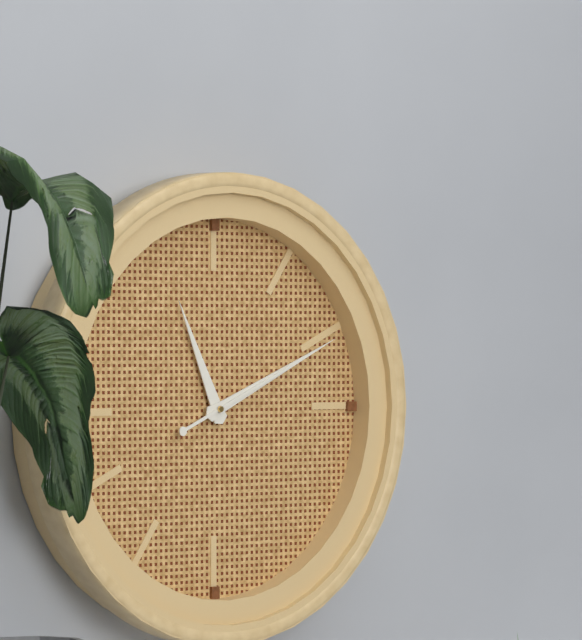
11:11:11
